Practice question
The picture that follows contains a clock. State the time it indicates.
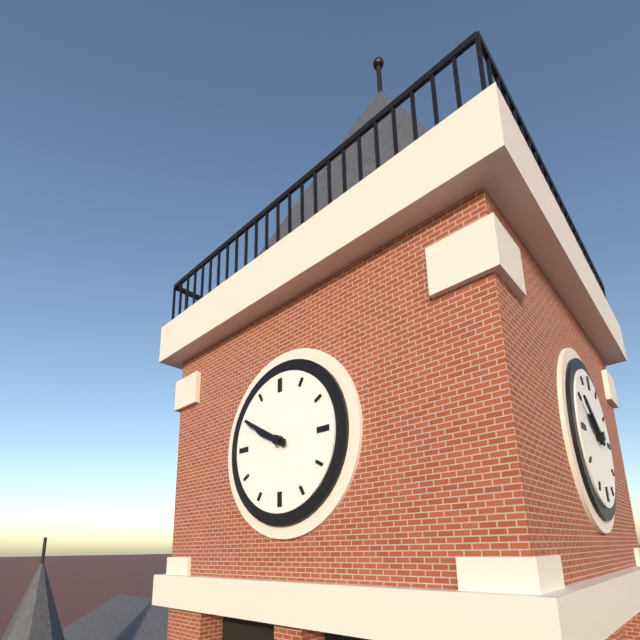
9:50
